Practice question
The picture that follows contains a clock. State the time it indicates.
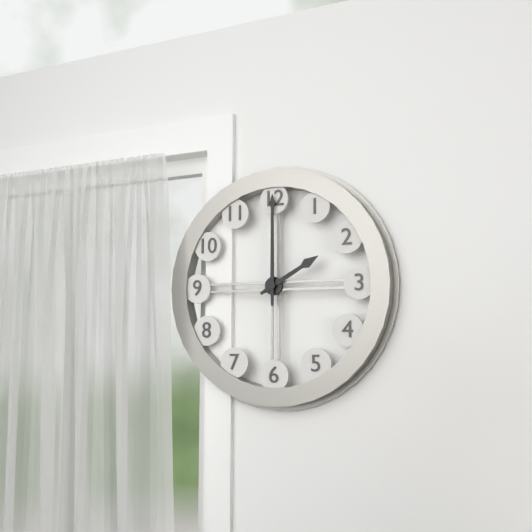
2:00
